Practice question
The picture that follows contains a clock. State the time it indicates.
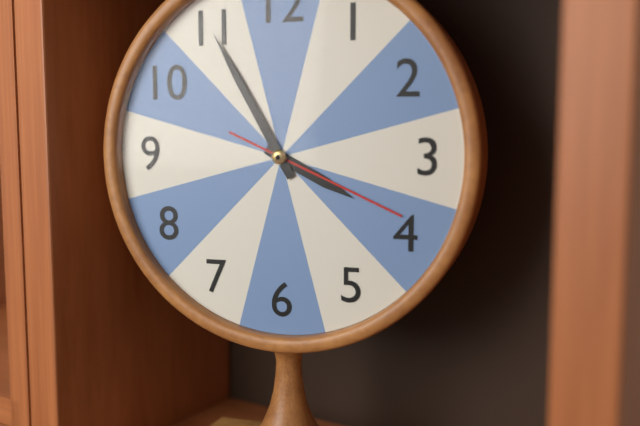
3:55:19
